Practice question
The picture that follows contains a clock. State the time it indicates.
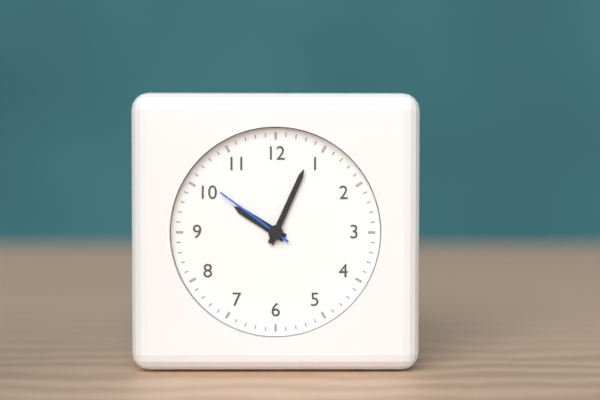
10:04:51
